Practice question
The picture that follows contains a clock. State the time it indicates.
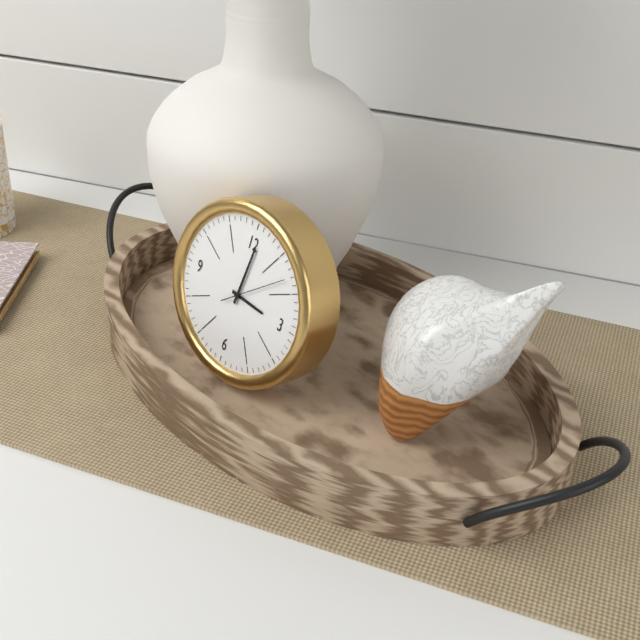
3:01:08
